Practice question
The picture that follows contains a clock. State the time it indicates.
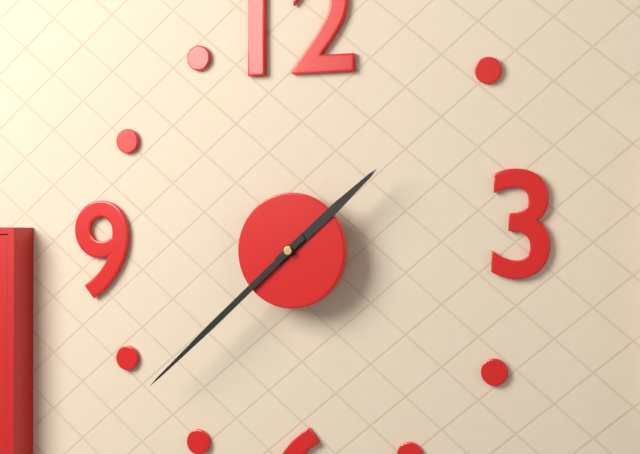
1:38
